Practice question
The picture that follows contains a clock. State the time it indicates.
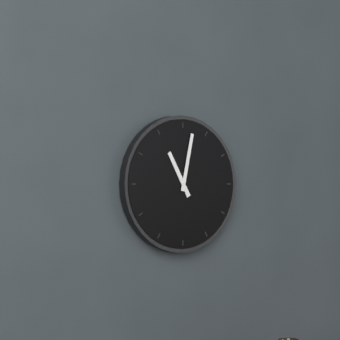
11:02
